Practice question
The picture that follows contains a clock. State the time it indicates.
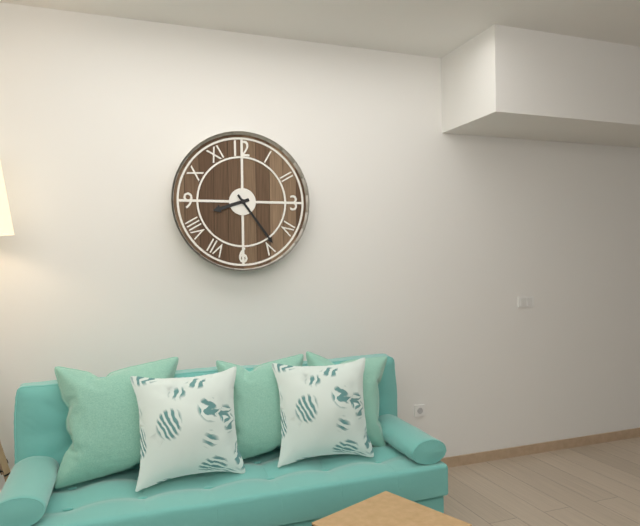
8:24
